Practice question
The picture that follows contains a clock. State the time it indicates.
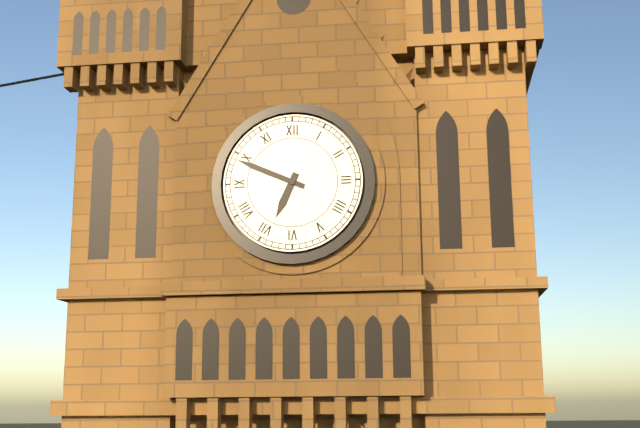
6:49
